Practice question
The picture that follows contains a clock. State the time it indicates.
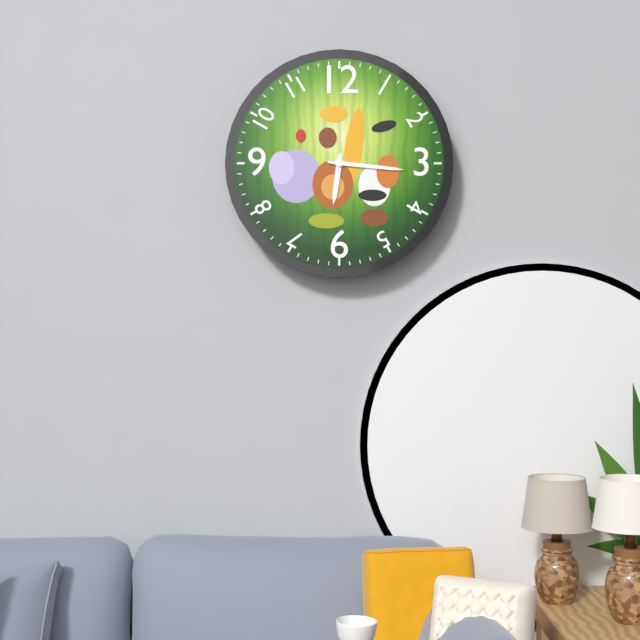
6:16
